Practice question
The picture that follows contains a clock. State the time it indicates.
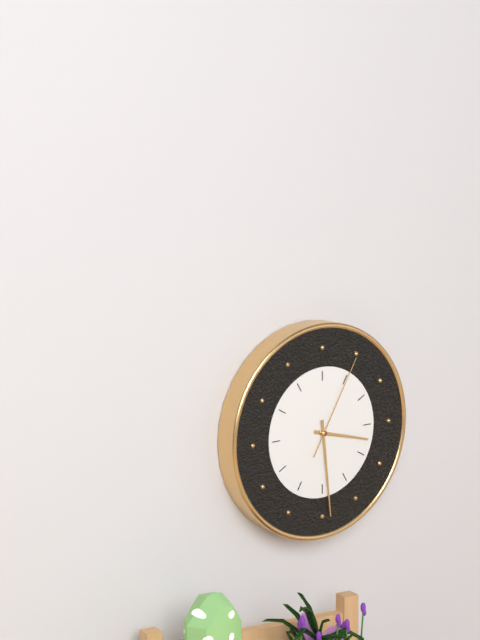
3:29:05
